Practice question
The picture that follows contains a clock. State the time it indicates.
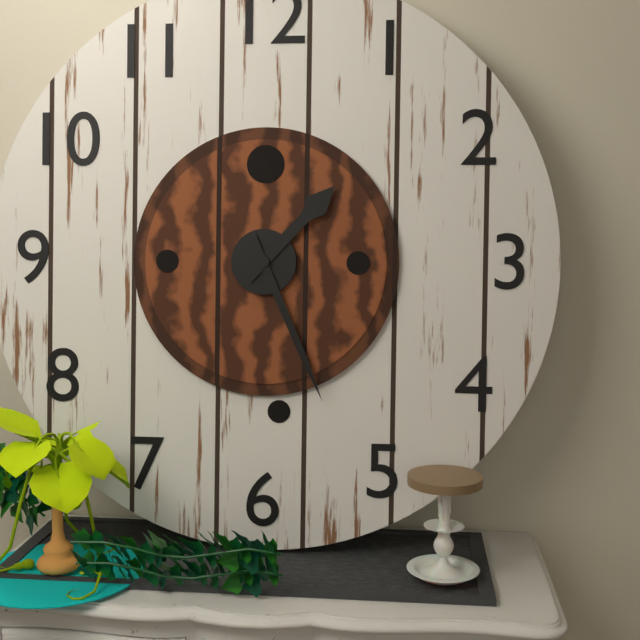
1:26
